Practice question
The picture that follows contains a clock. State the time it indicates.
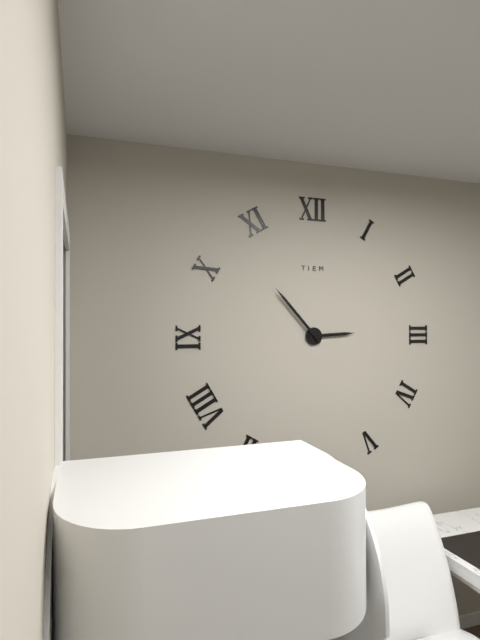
2:53
